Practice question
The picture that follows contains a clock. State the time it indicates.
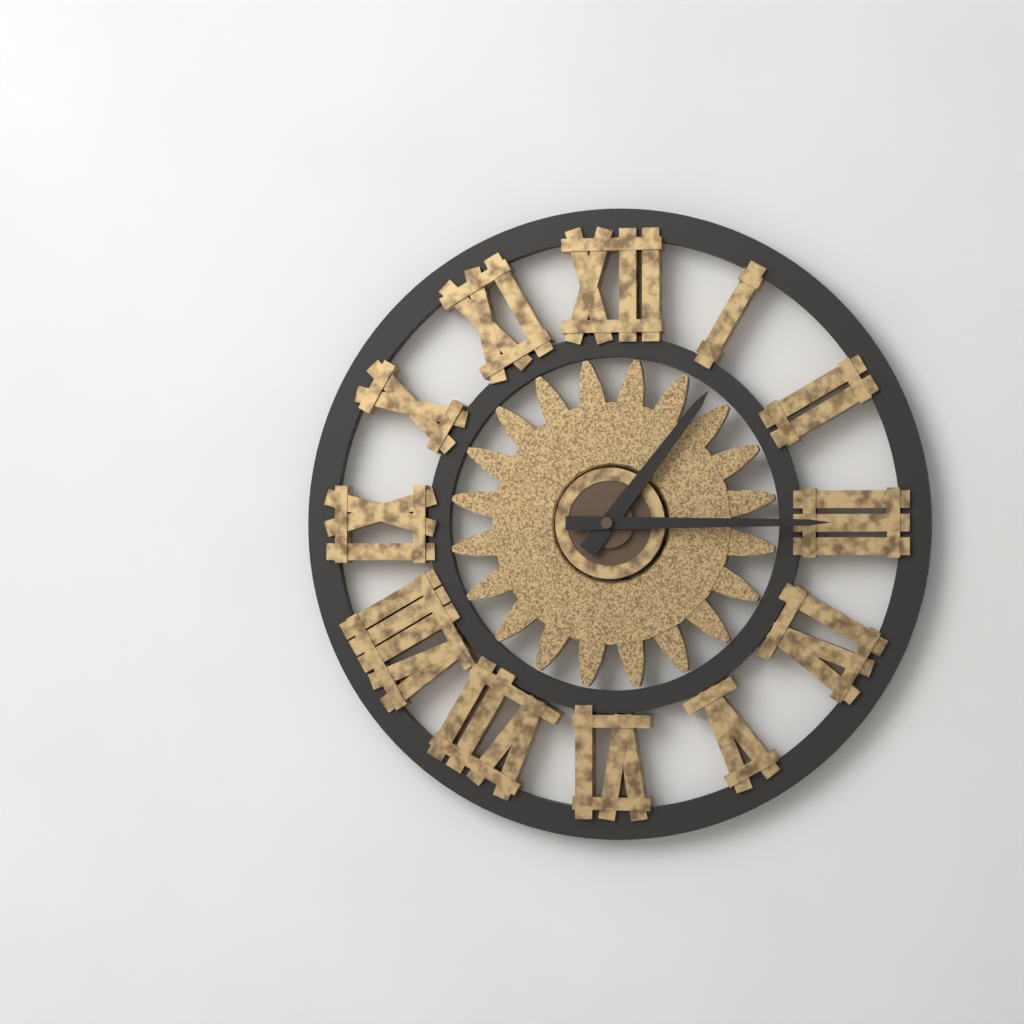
1:15
